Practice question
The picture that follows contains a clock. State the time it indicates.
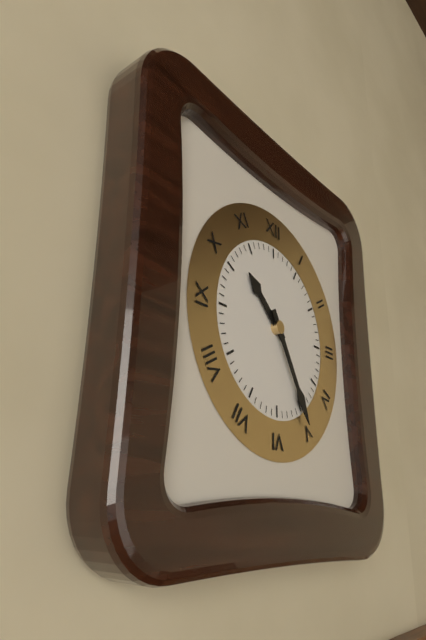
10:25
